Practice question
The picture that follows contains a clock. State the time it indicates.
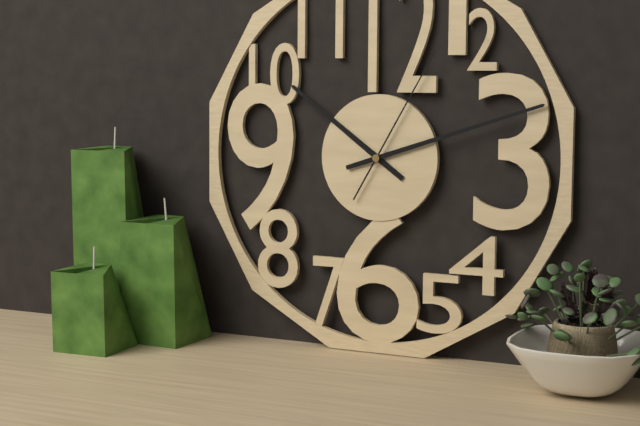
10:12:05
